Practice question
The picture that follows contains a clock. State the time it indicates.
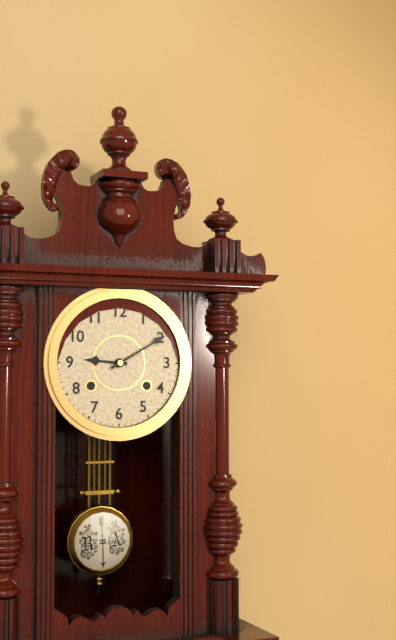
9:10
